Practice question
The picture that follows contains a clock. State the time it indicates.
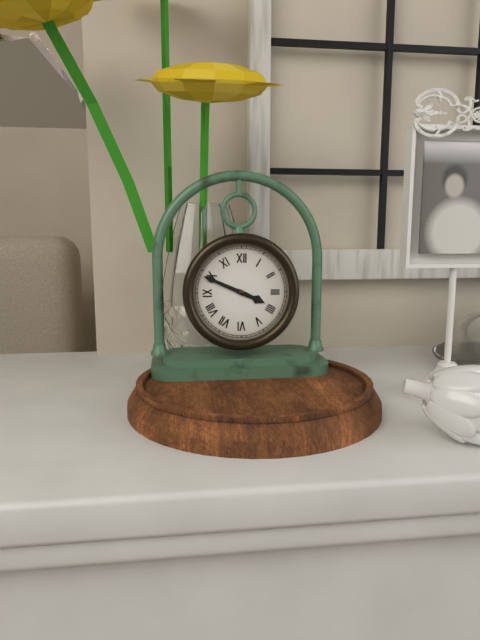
3:49
